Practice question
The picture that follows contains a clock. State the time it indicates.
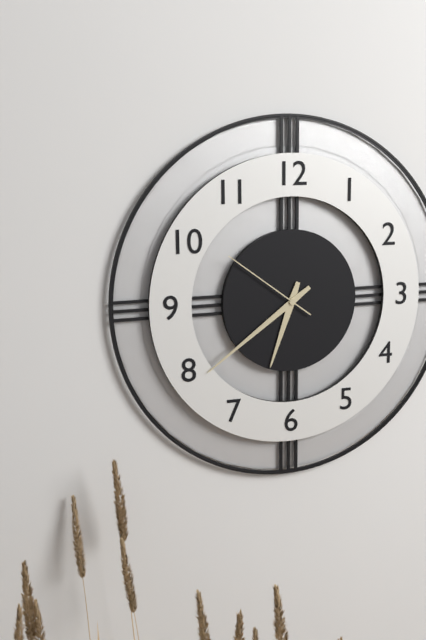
6:39:51
